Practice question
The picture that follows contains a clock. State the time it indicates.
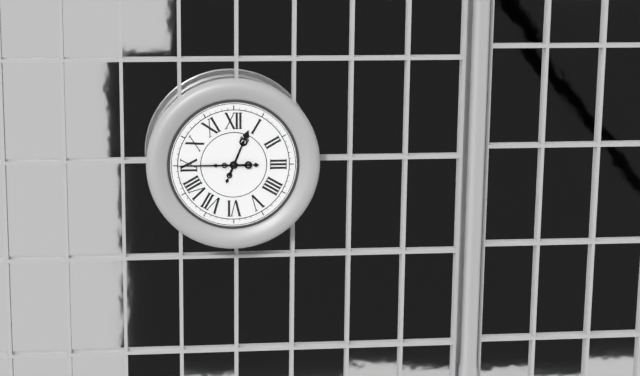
12:45
